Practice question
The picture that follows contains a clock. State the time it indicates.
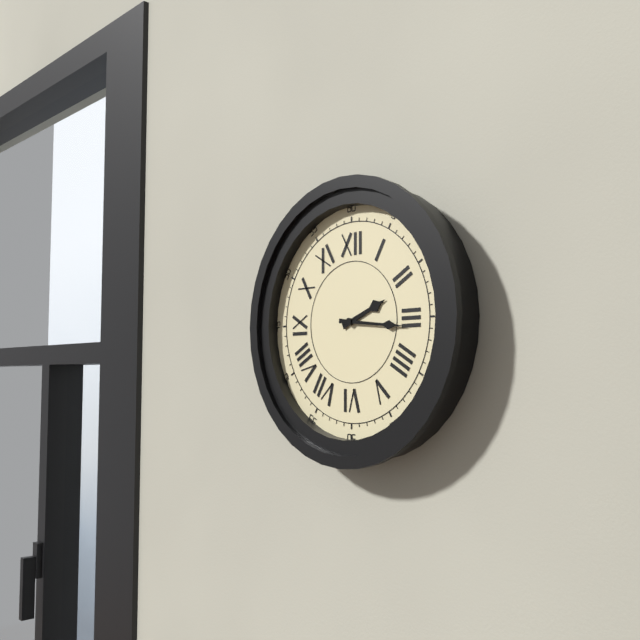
2:16
